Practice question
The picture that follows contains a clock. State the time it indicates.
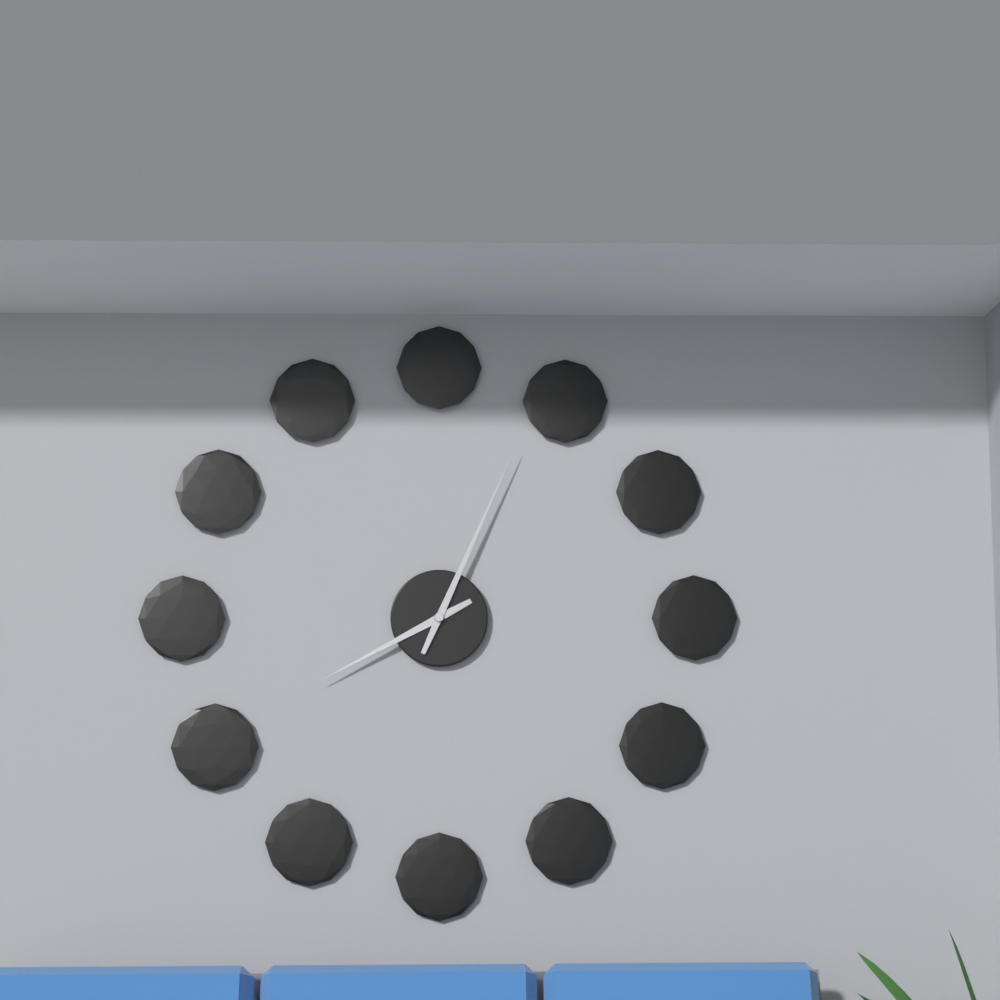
8:04
